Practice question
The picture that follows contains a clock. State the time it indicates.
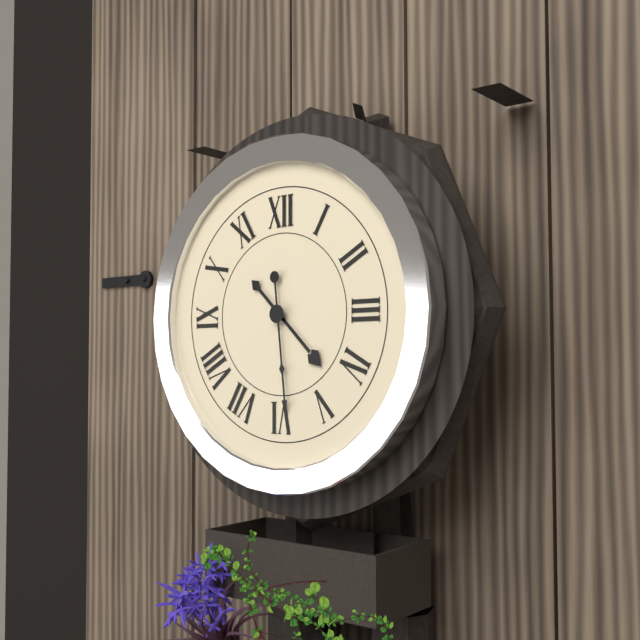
4:29
